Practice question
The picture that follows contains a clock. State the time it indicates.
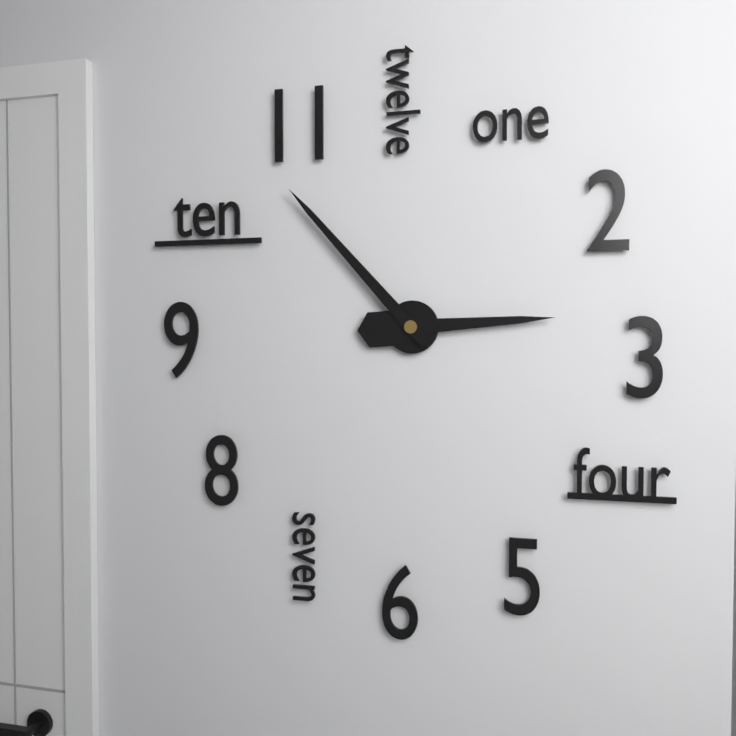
2:53
